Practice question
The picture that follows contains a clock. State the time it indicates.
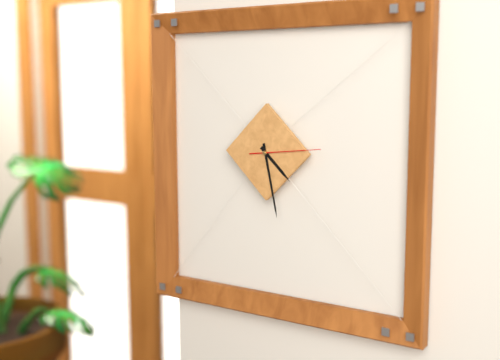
4:28:14
